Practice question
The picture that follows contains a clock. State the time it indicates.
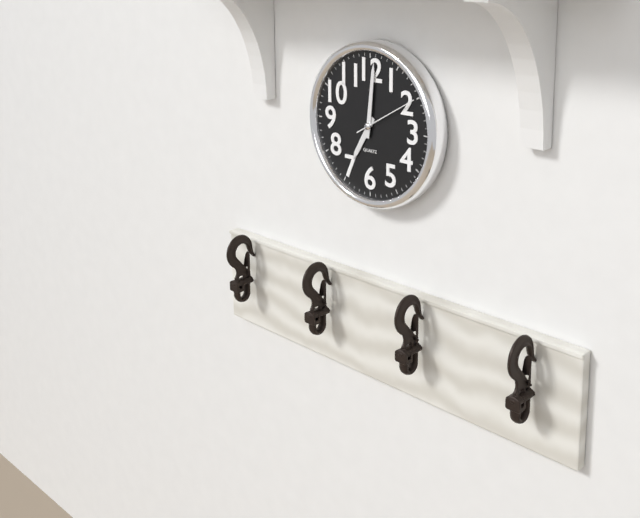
7:01:10
